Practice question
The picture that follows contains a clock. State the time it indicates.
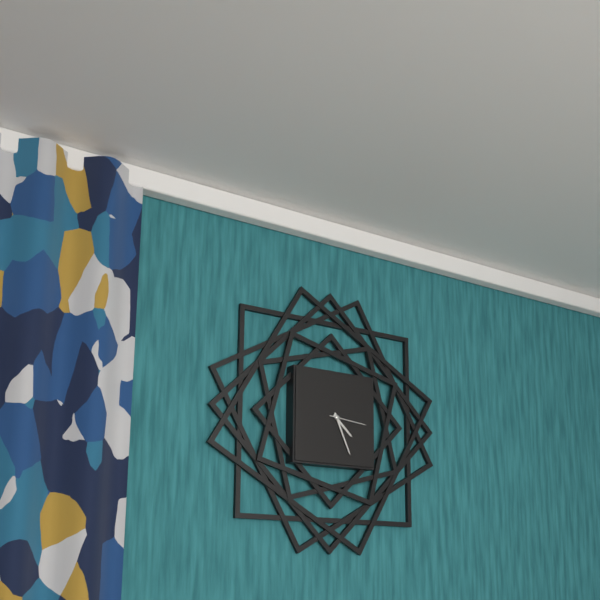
4:26
